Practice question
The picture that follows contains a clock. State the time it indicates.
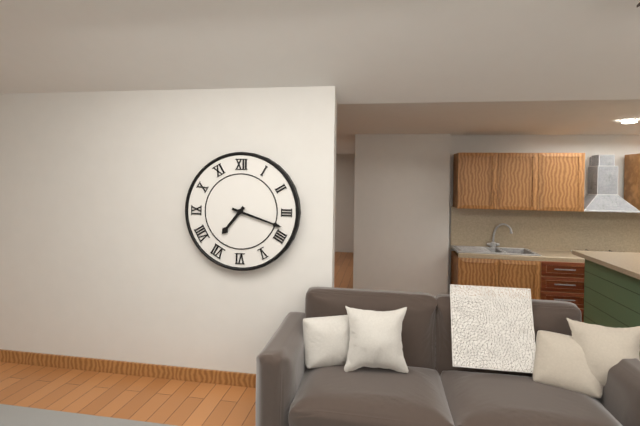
7:18
